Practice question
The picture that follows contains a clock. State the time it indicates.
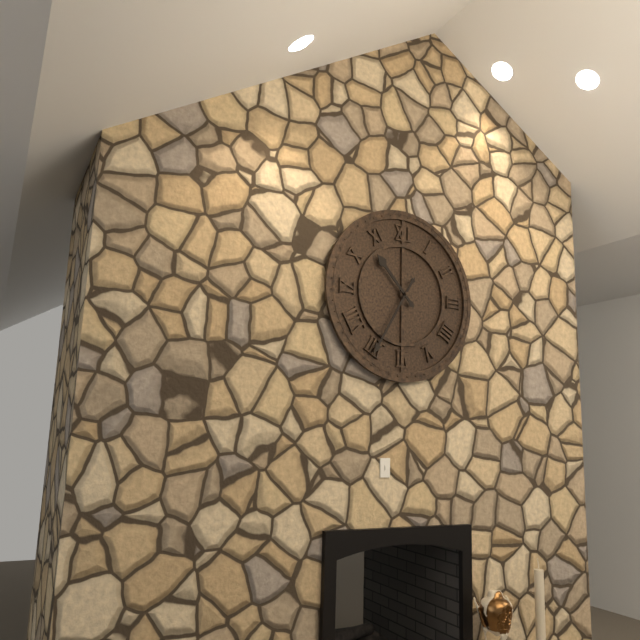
10:35
